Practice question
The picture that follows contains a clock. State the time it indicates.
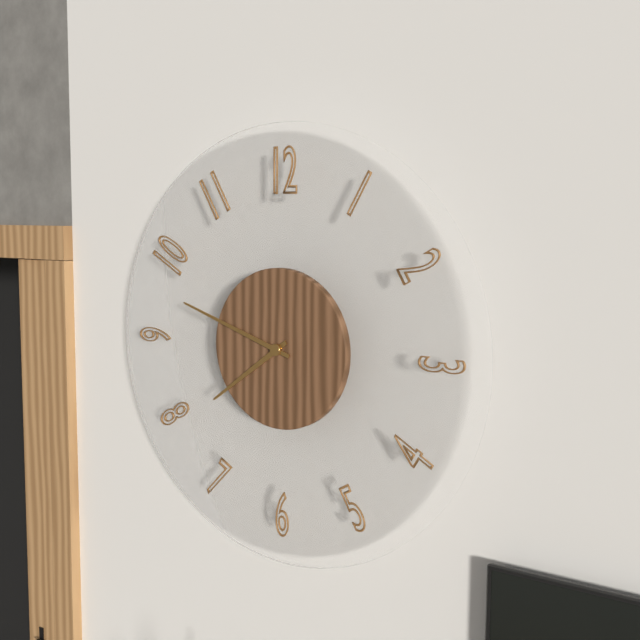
7:48
